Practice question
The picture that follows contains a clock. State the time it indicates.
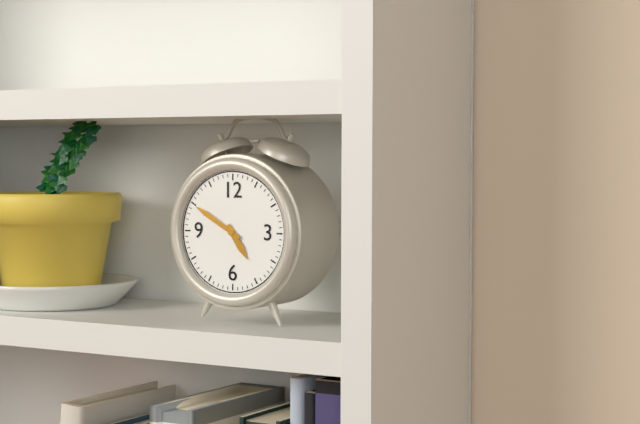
4:50
